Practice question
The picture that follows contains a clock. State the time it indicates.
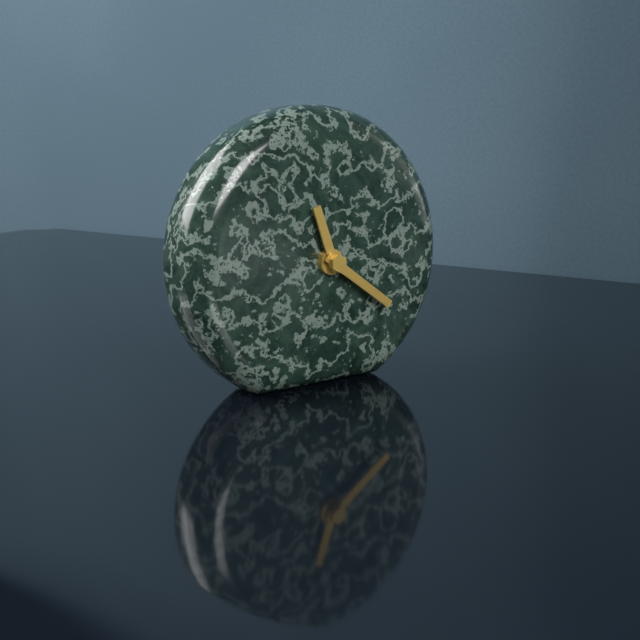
11:21
